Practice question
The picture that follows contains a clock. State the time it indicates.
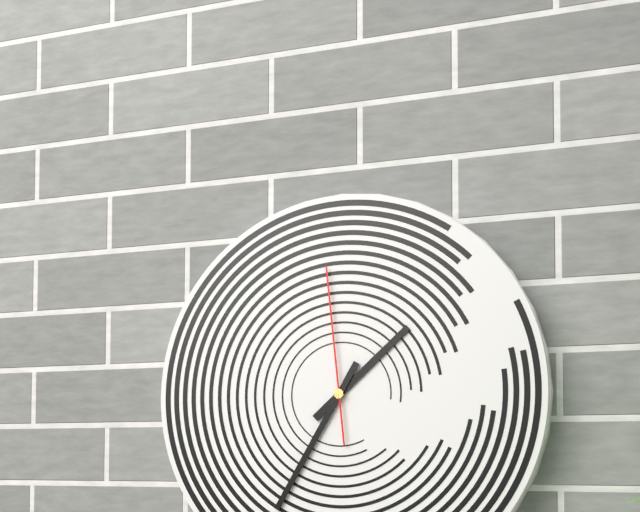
1:35:59
